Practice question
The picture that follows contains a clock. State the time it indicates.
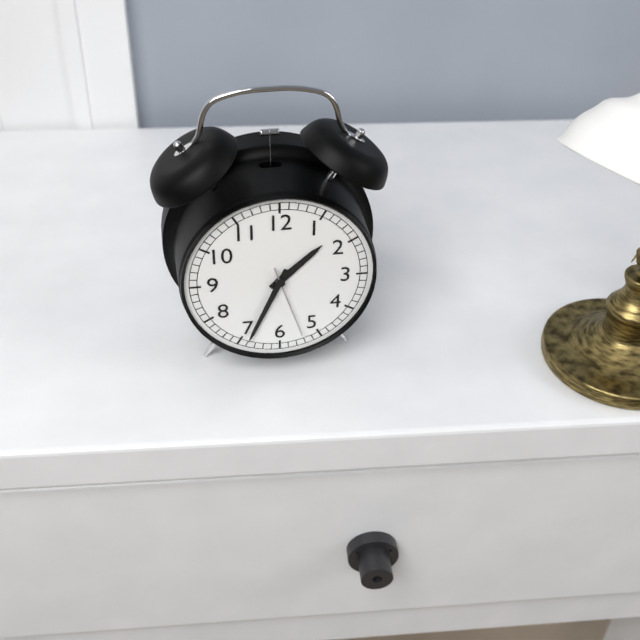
1:34:27
